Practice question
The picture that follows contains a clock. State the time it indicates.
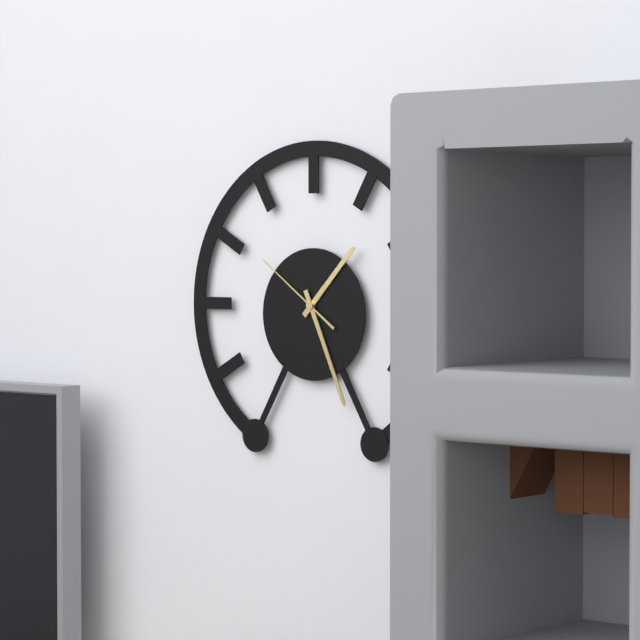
1:26:51
